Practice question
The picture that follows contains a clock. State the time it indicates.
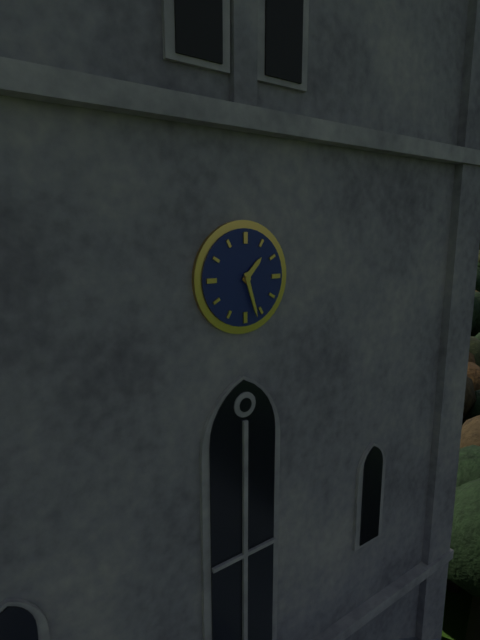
1:27
